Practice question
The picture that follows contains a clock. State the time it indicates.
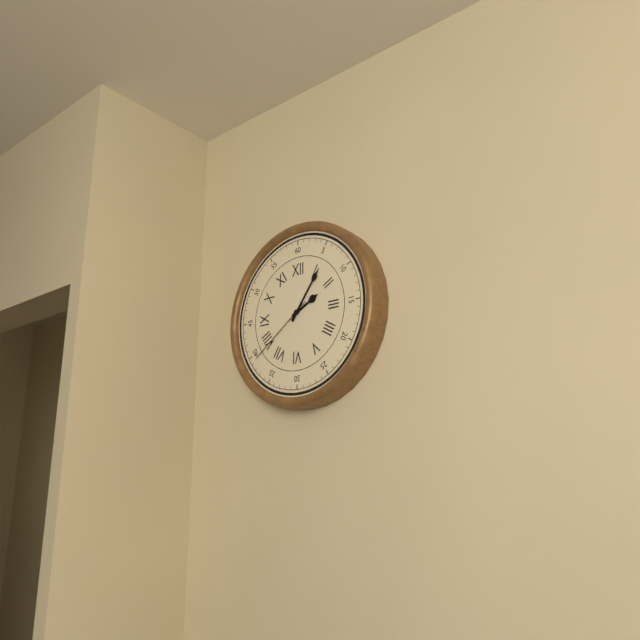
2:06:39
